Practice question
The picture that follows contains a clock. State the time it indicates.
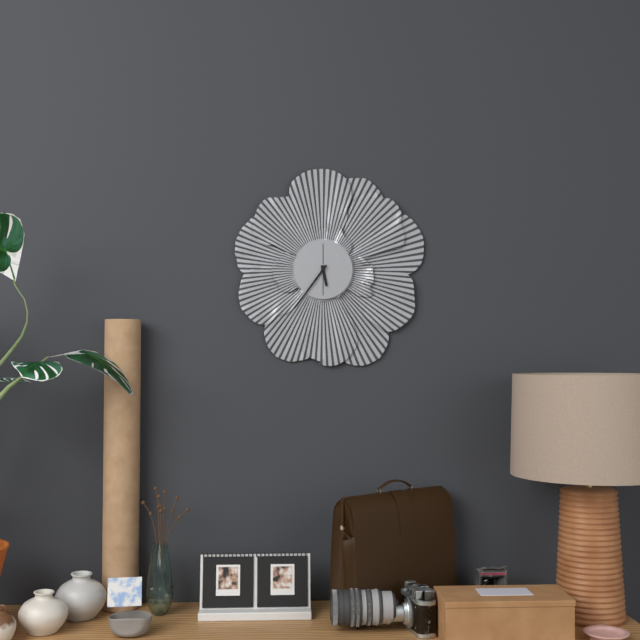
5:36
